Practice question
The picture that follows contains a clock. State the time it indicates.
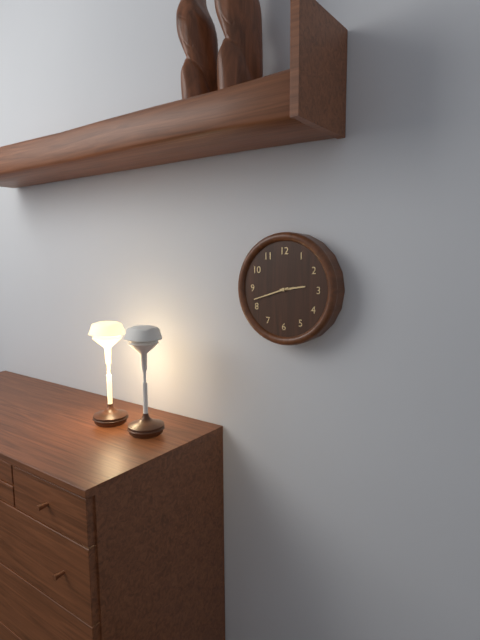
2:42
